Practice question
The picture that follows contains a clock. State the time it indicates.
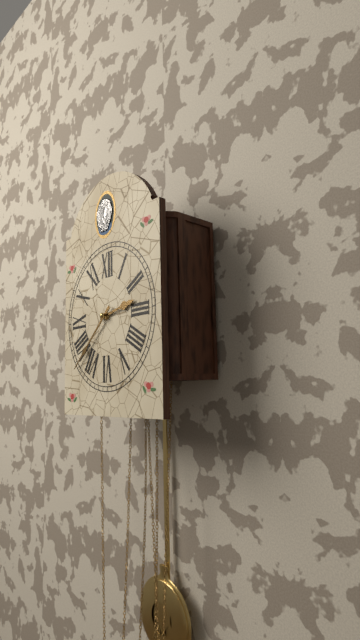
2:38
